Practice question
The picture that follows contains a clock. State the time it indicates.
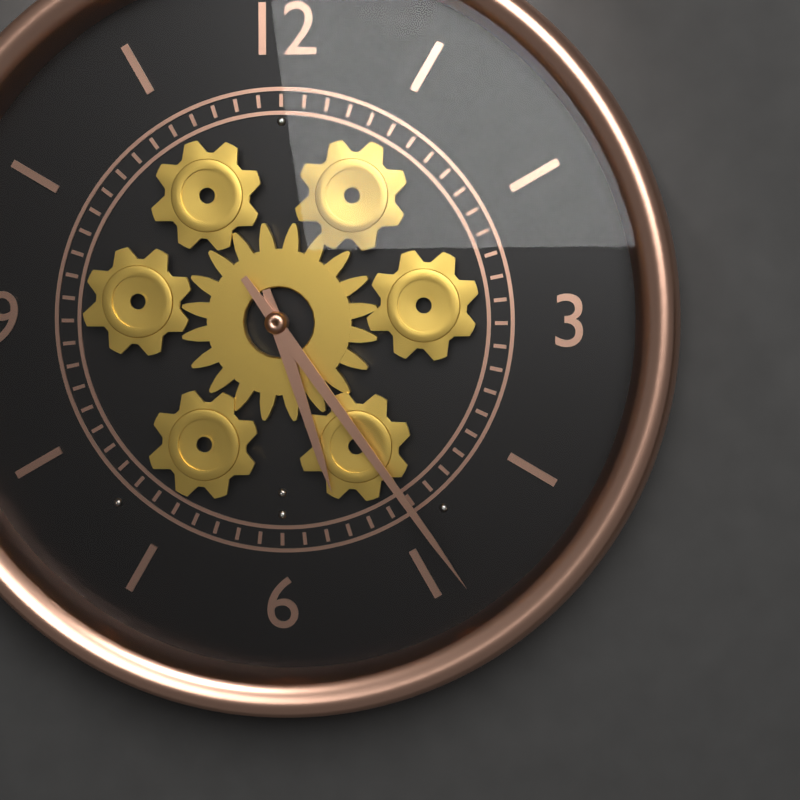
5:24
